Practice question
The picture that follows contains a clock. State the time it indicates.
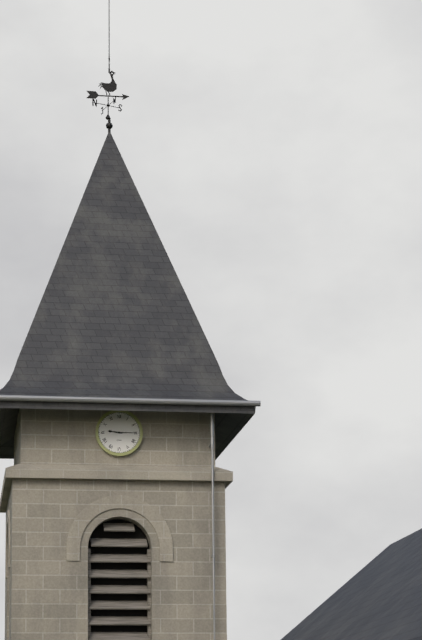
9:15
